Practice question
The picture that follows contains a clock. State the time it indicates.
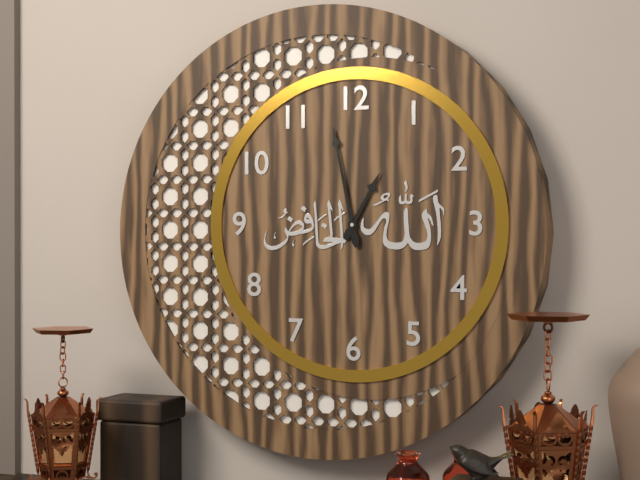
12:58
